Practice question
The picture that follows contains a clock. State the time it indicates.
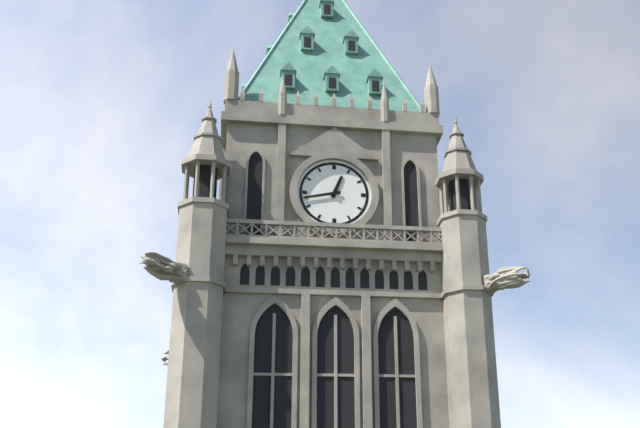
12:43
